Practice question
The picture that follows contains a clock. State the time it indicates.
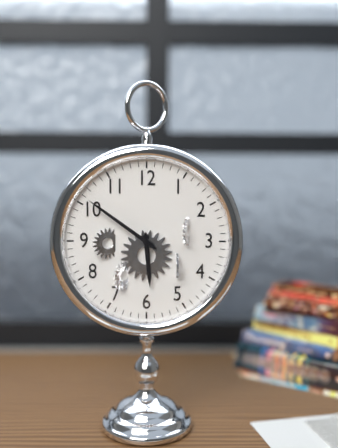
5:51
